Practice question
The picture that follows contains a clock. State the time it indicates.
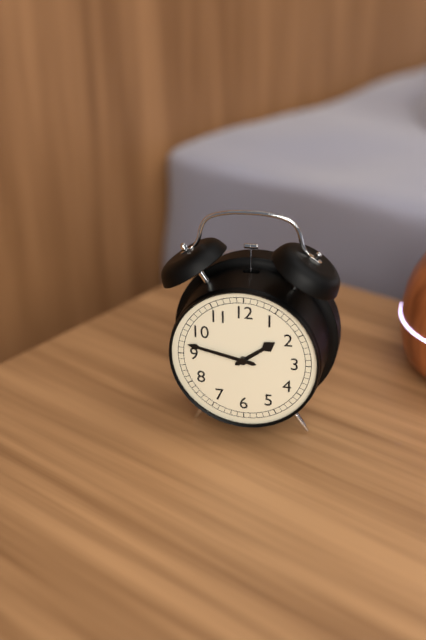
1:47
